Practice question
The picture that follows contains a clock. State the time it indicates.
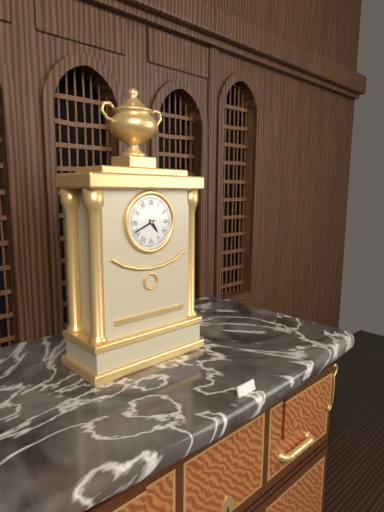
4:41
